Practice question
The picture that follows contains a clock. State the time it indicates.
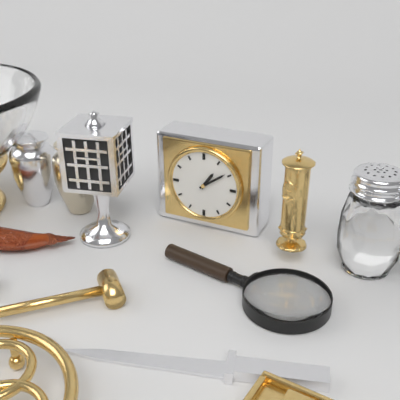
1:09
